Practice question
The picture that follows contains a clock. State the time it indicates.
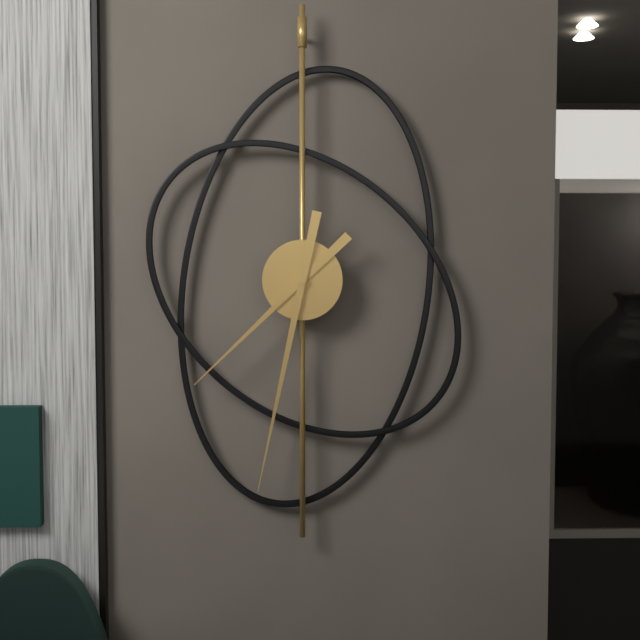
7:32
